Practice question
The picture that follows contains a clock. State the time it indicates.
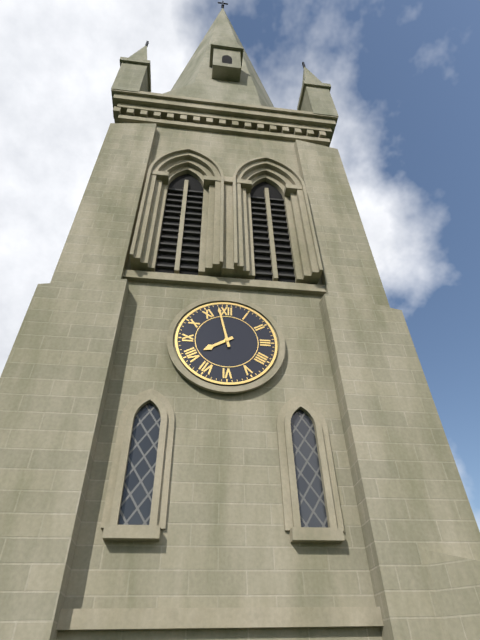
7:58
